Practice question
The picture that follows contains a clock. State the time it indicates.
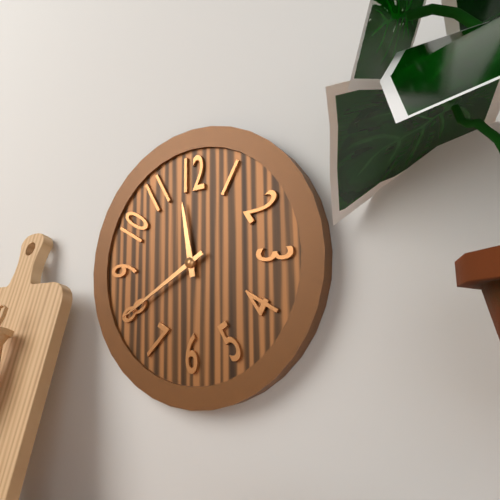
11:40
